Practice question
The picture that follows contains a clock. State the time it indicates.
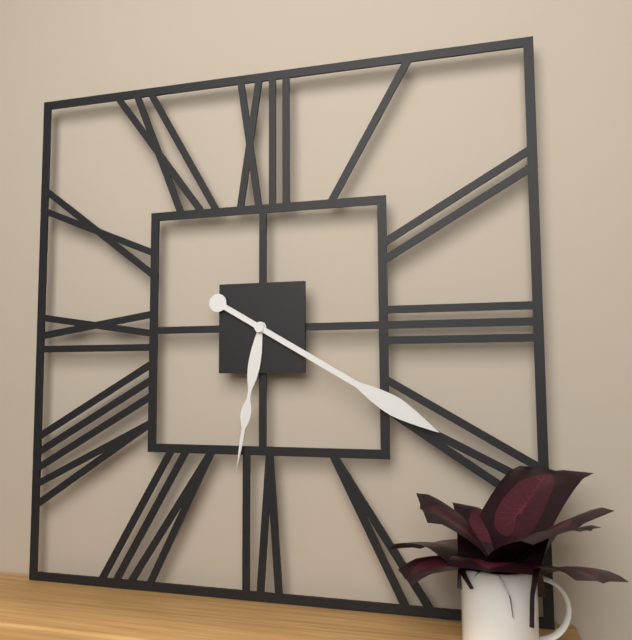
6:20
